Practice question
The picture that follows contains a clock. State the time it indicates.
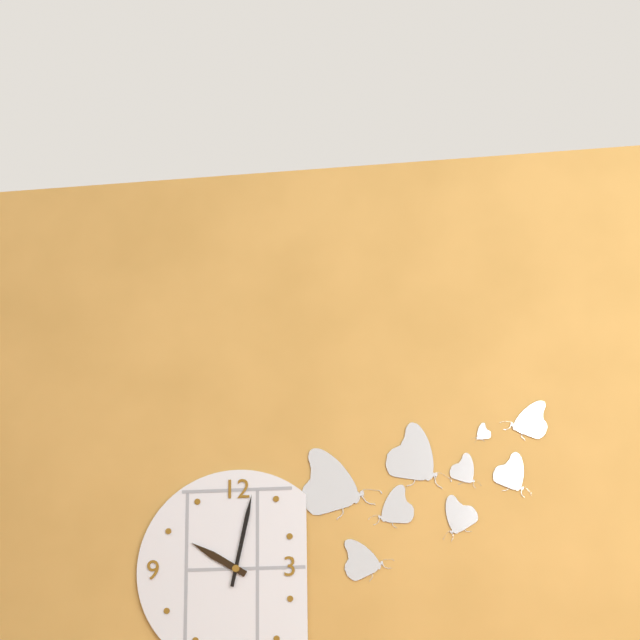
10:02
